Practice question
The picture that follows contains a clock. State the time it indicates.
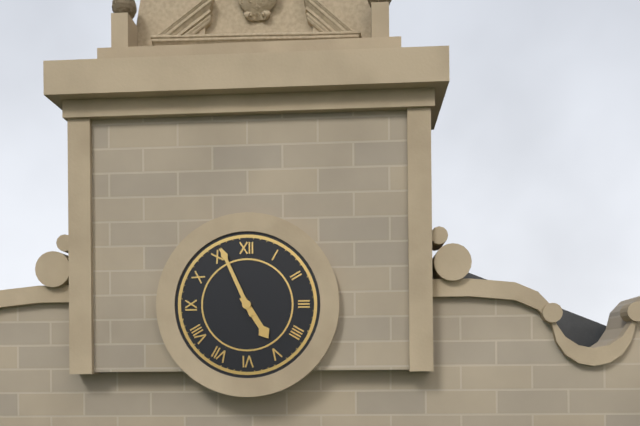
4:56
